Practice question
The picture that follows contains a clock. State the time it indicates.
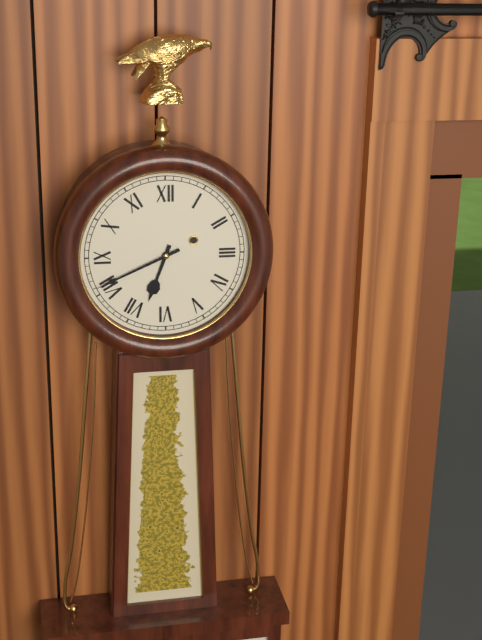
6:41
